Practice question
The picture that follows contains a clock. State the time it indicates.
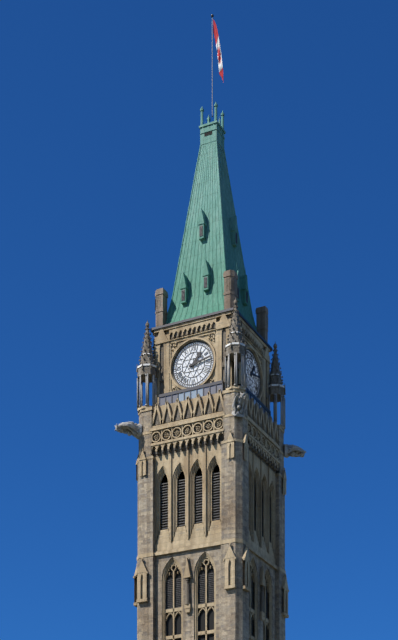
1:13
